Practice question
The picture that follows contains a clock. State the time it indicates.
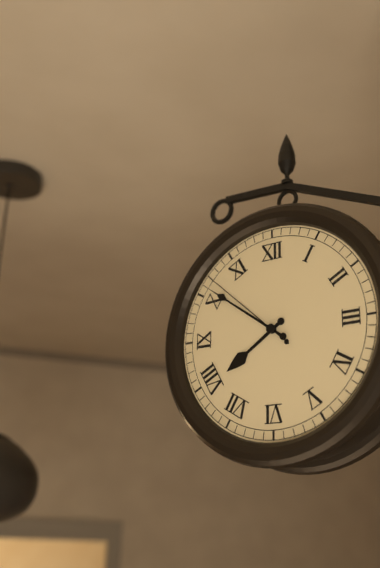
7:51:52
